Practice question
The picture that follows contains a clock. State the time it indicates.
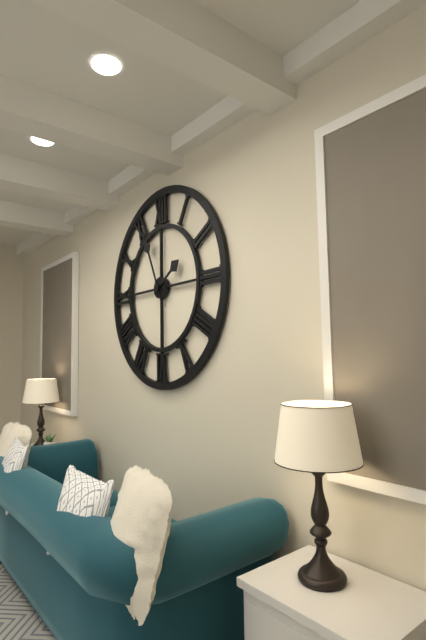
1:56
